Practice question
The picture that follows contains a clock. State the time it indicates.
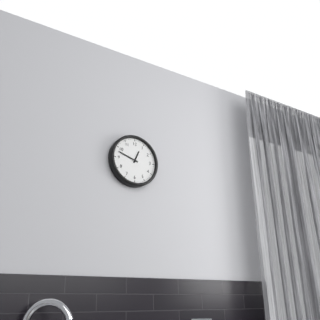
12:48
